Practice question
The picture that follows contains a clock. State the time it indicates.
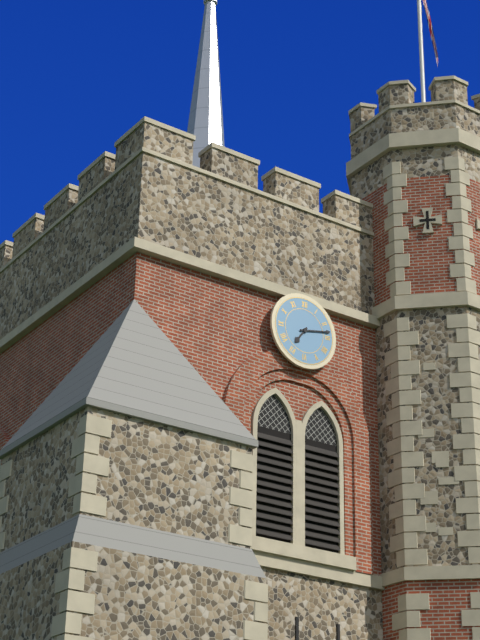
7:13
